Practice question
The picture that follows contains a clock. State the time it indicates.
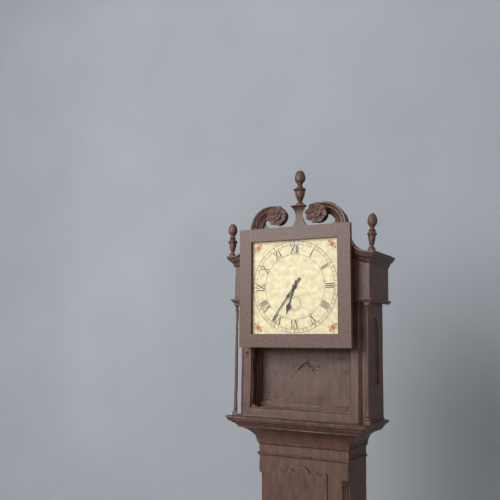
6:36
